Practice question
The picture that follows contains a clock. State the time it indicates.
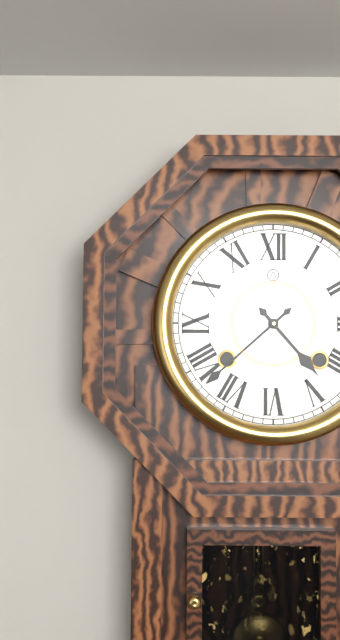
4:38
